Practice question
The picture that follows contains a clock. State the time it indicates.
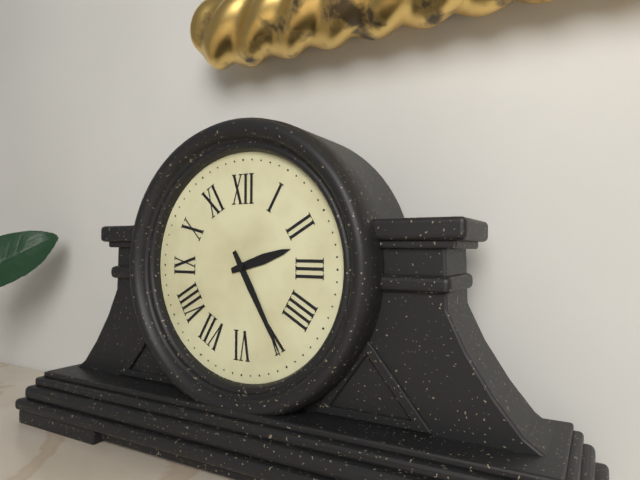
2:25
